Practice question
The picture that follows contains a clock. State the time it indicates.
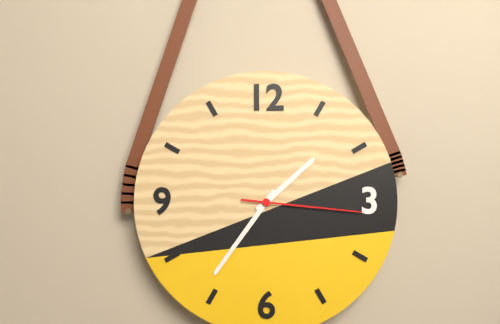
1:36:16
